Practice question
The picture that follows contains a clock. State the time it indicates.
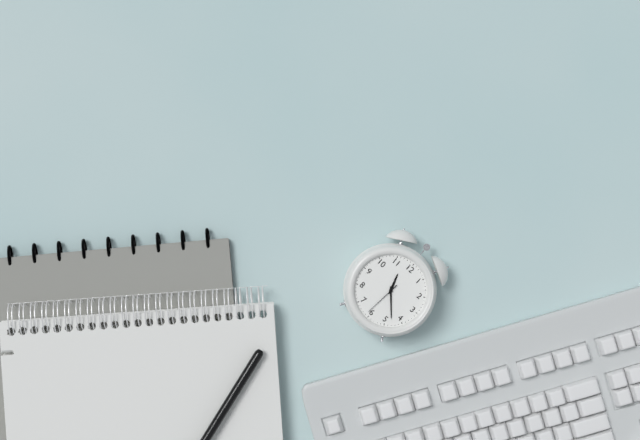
11:23
